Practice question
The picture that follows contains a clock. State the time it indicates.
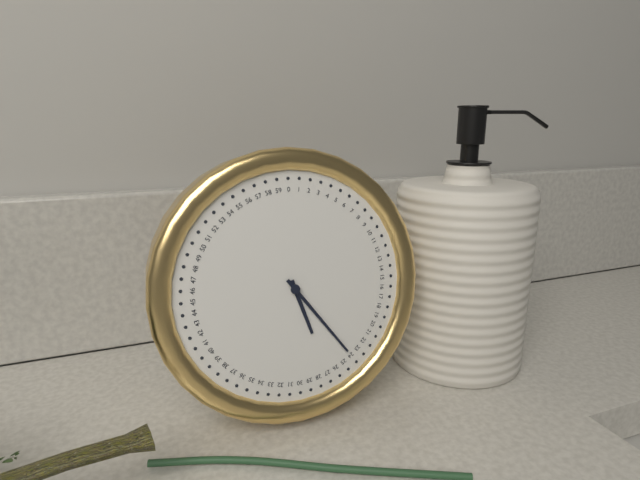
5:24
